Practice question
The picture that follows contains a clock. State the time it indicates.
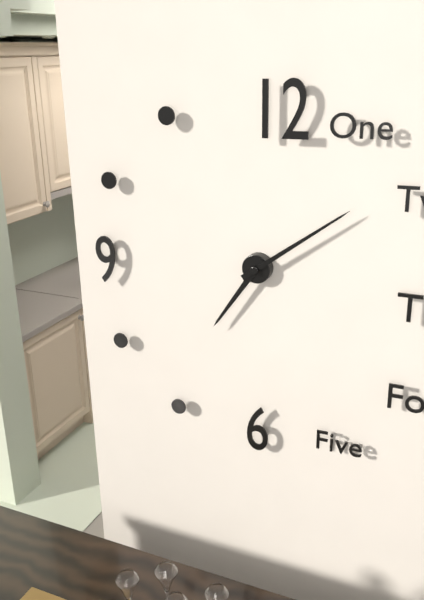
7:09
